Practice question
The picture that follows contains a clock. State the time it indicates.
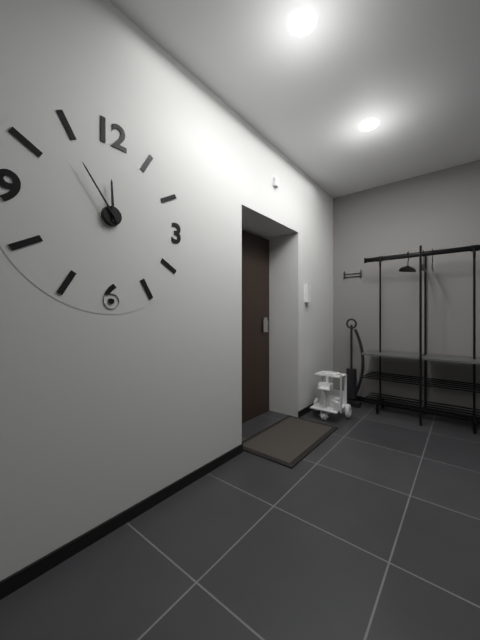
11:54
